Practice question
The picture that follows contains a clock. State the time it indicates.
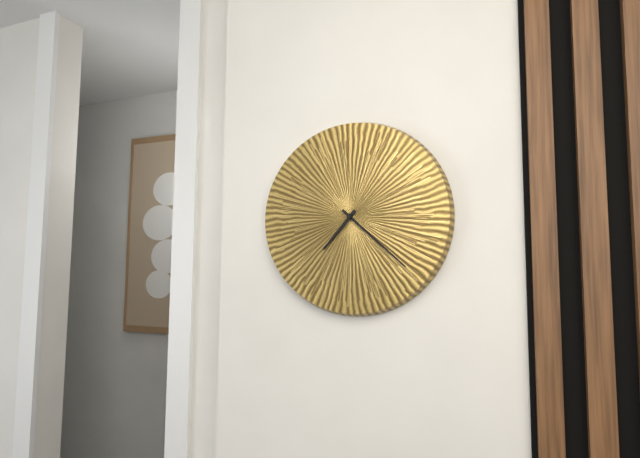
7:22
